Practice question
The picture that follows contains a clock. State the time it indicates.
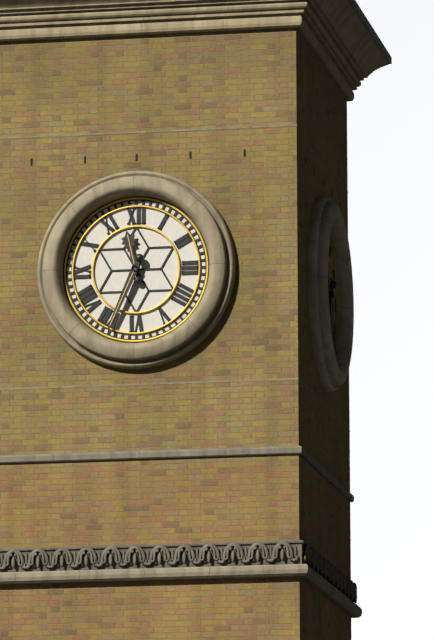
11:34
